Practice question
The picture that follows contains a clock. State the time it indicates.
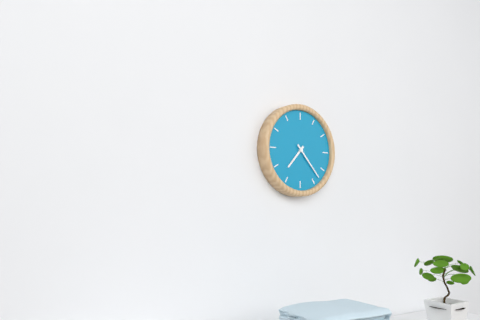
7:23
